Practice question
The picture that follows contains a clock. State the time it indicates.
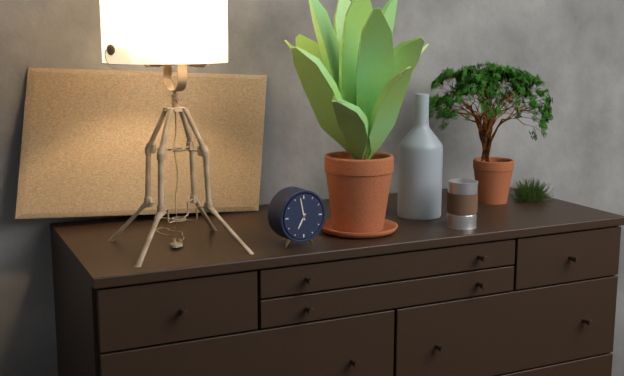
6:58
